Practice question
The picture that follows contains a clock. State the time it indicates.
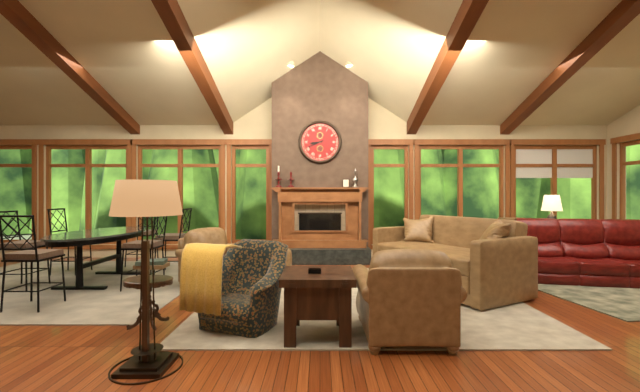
8:41
